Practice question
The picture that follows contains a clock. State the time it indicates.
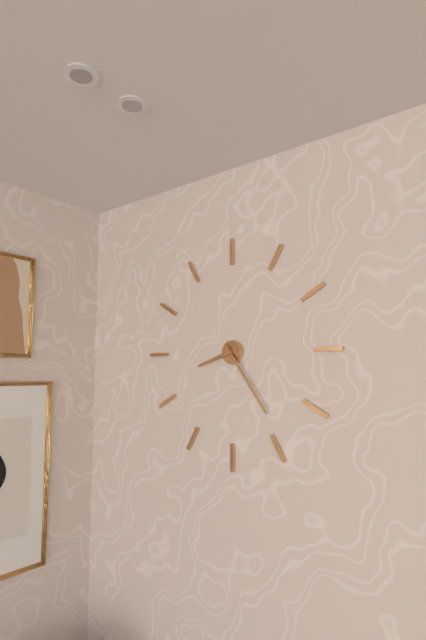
8:24
